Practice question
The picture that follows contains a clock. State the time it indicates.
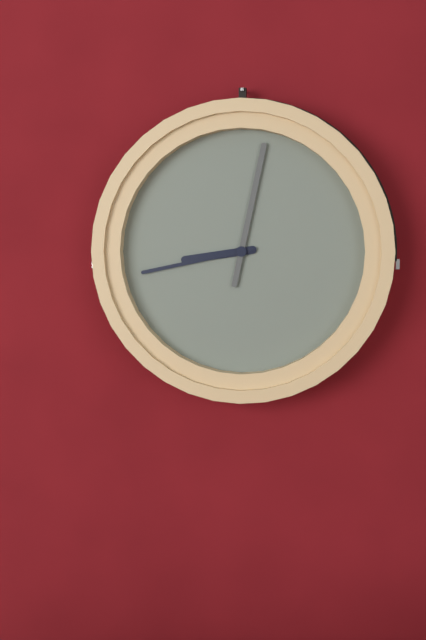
8:43:02
